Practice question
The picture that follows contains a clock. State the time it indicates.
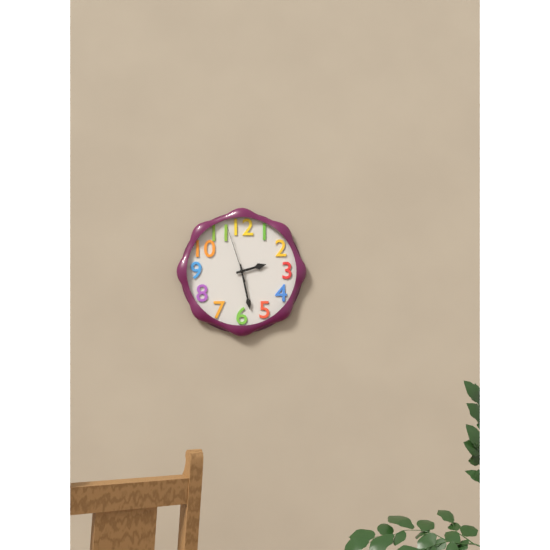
2:28:57
